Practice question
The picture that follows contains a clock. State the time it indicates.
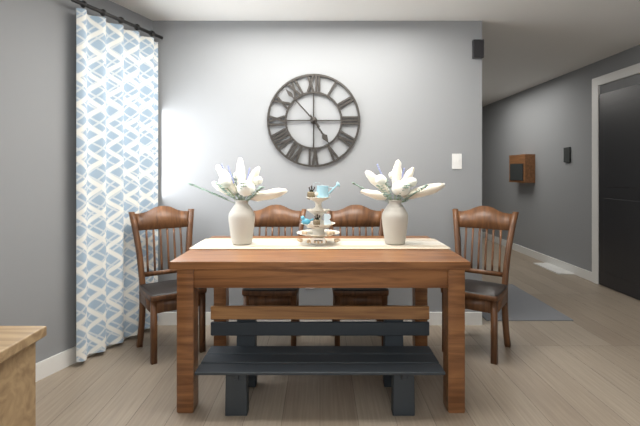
4:53
